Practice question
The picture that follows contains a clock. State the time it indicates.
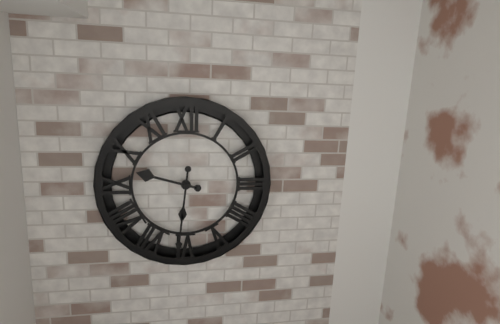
9:31
